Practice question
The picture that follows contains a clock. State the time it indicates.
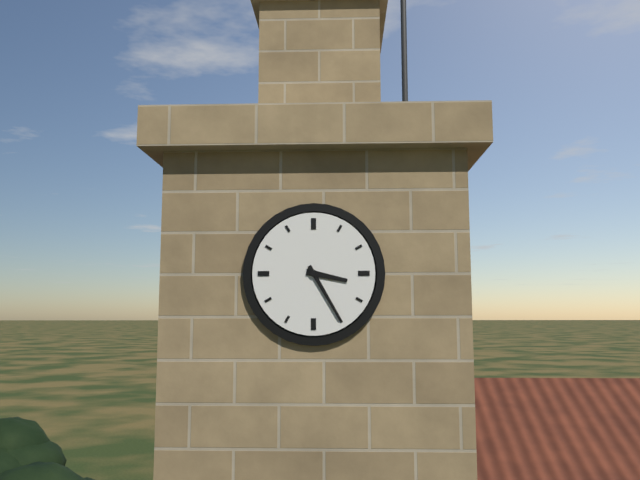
3:25
